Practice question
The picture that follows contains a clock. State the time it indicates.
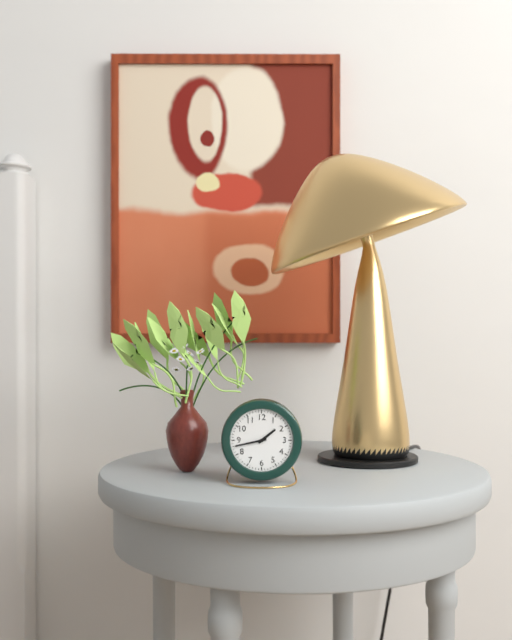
1:43
